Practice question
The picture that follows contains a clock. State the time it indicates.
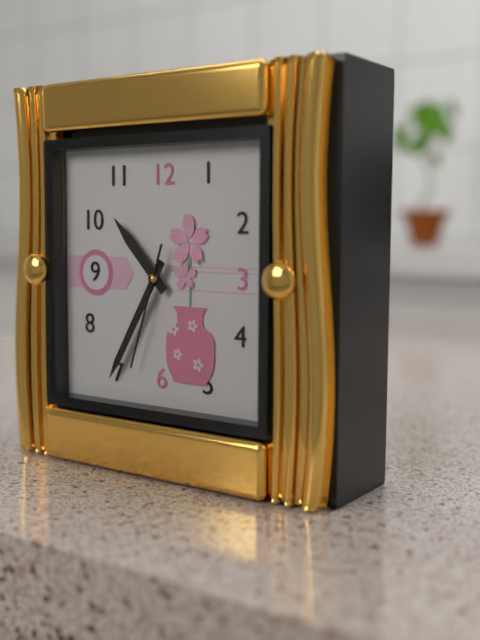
10:35:33
